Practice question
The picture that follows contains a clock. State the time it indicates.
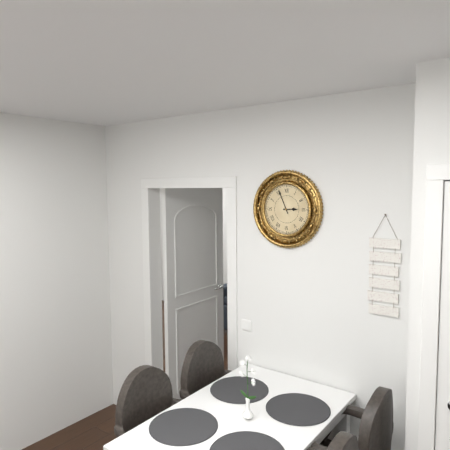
2:56
